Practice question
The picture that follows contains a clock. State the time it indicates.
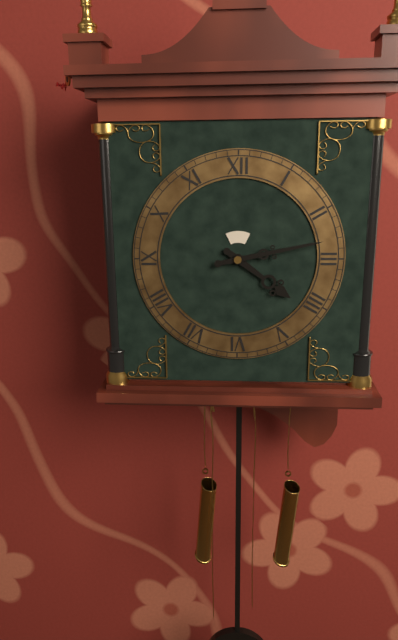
4:13
